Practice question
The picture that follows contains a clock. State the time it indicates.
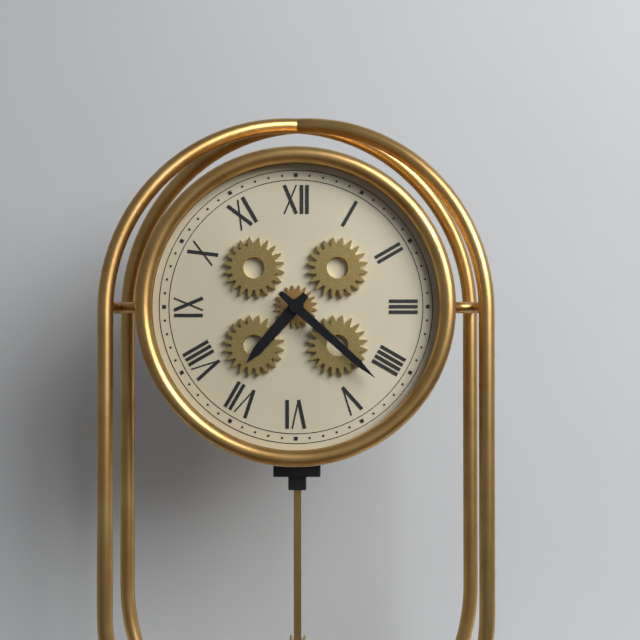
7:22
